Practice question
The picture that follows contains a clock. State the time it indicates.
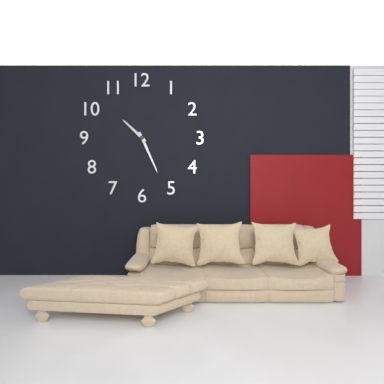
10:26
